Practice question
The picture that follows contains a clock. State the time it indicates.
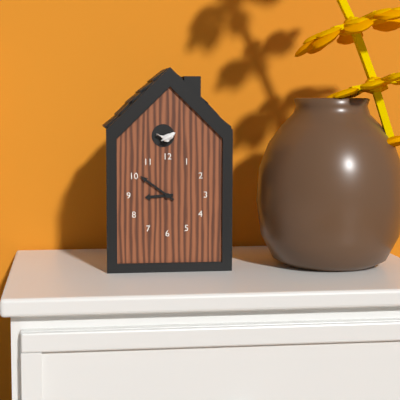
8:51
